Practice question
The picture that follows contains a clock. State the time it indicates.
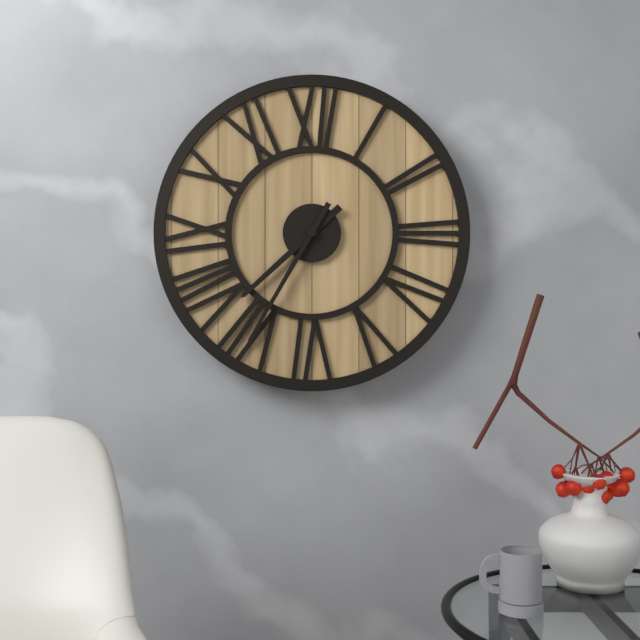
7:35
